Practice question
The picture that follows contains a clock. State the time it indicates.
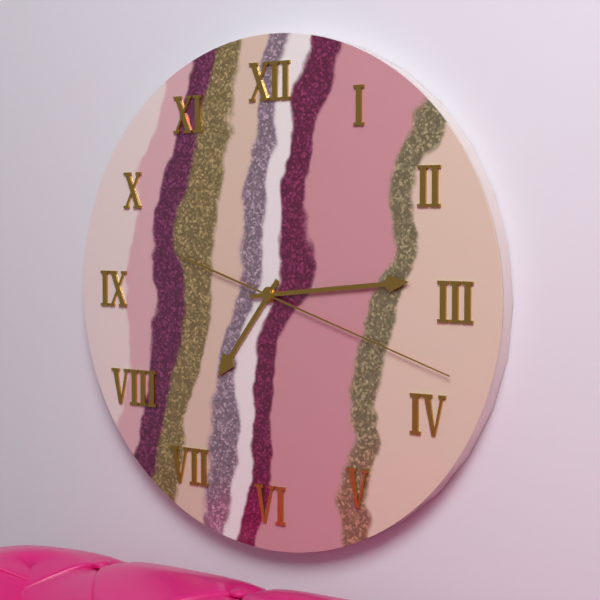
7:14:18
